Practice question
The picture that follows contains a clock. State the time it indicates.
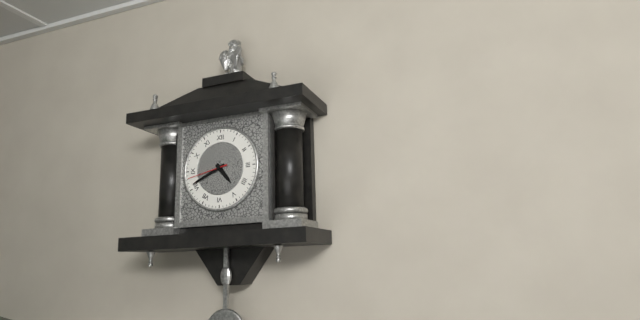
4:41:43
